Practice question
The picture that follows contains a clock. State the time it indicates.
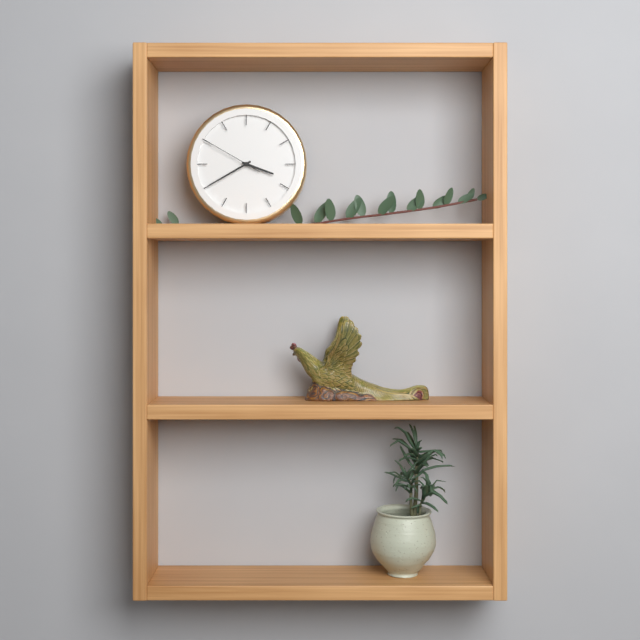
3:40:50
